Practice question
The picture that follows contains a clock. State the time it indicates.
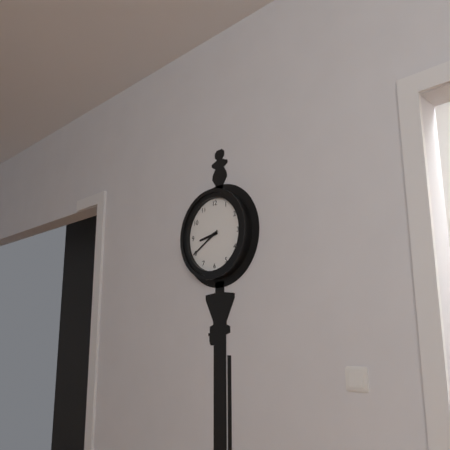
8:40
